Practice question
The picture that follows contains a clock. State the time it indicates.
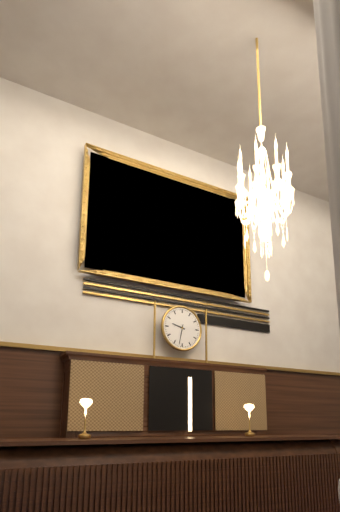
9:32
